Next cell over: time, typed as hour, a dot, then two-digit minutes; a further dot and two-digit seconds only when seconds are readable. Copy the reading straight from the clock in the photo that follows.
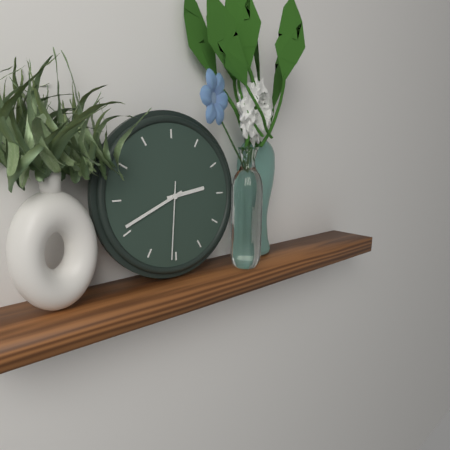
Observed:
2.41.31
